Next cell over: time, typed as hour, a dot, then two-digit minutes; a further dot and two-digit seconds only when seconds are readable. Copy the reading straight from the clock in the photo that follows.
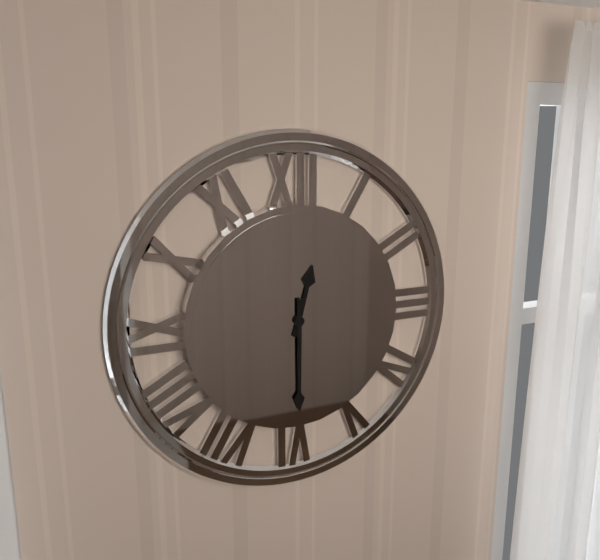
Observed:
12.30
